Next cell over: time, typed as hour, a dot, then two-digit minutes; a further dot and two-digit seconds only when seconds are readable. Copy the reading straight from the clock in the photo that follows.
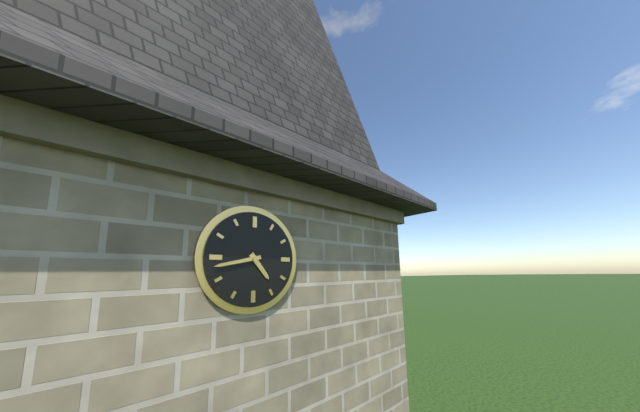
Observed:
4.43
